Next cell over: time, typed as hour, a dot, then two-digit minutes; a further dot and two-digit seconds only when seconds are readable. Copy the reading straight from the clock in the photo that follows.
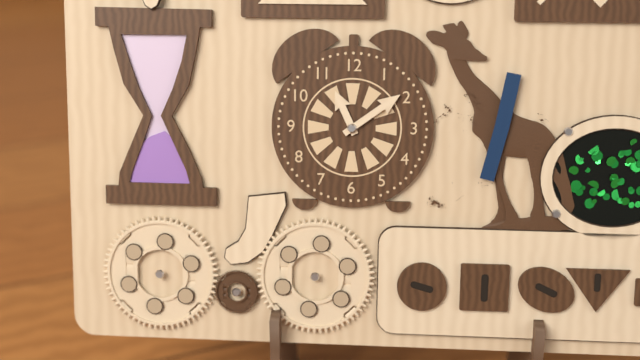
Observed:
11.09
